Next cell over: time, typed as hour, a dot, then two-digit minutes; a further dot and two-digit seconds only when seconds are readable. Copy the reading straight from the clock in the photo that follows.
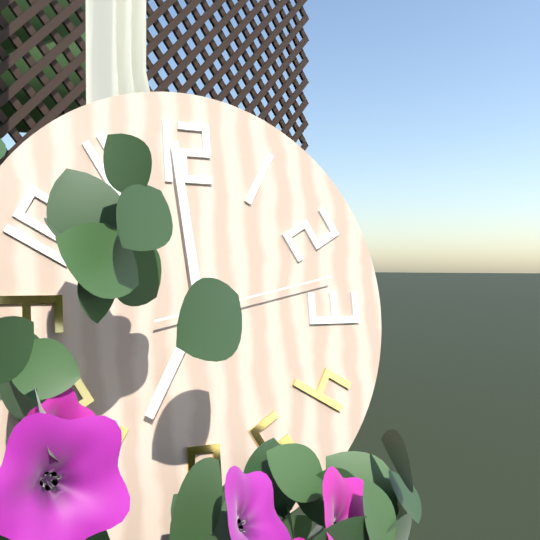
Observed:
6.59.13
